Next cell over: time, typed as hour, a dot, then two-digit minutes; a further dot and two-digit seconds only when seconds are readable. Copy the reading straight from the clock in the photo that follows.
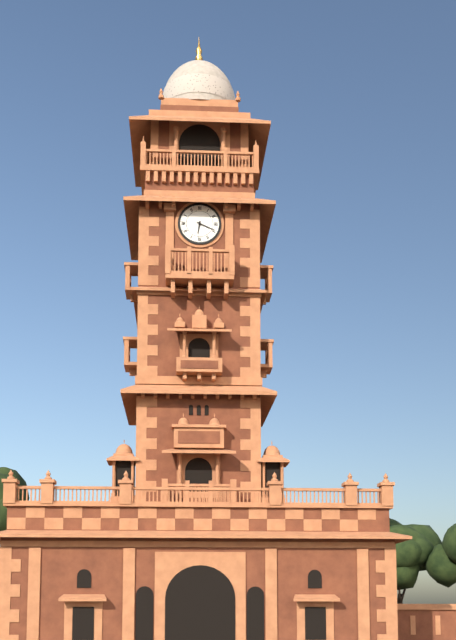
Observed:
6.19
